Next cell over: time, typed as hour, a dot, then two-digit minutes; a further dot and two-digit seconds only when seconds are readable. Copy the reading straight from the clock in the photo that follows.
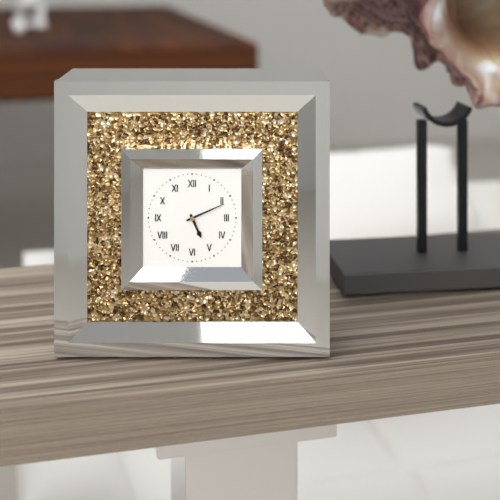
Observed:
5.11
